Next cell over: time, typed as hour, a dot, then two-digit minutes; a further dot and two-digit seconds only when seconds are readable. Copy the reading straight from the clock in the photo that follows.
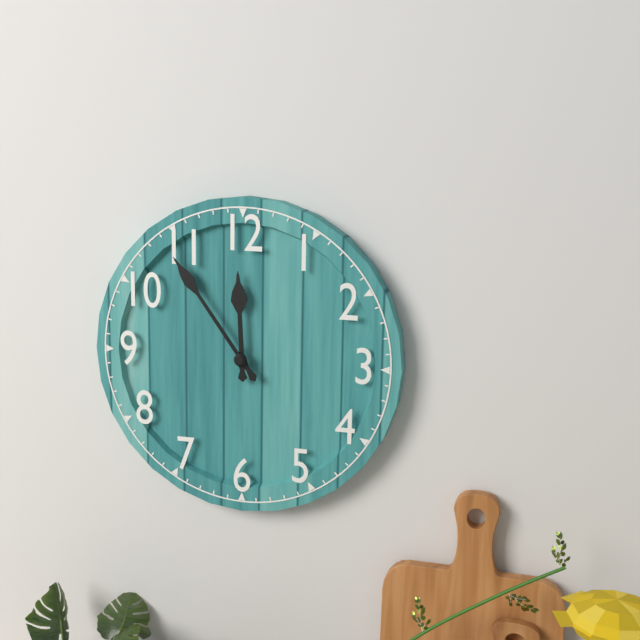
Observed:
11.54
